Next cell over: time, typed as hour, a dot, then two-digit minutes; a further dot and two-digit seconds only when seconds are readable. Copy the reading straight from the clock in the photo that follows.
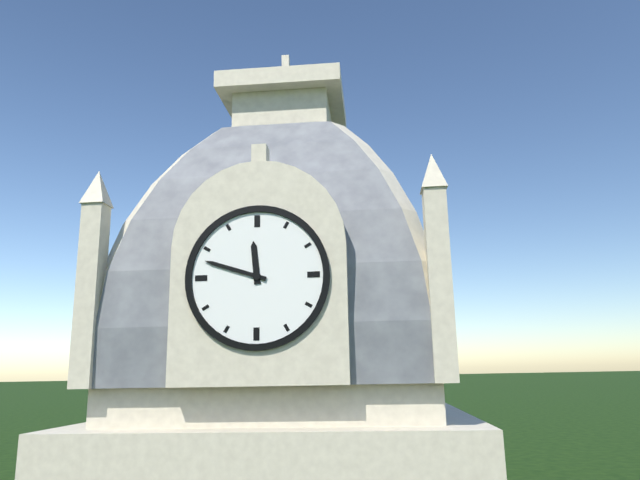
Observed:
11.48
